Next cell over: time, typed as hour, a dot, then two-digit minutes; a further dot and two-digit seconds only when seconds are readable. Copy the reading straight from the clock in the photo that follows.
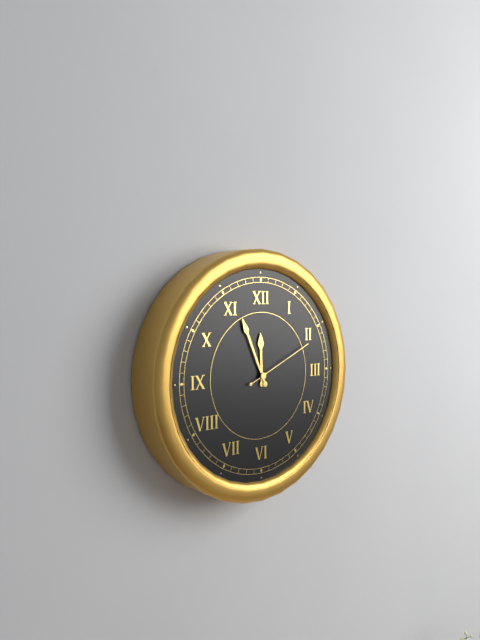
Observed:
11.56.11
